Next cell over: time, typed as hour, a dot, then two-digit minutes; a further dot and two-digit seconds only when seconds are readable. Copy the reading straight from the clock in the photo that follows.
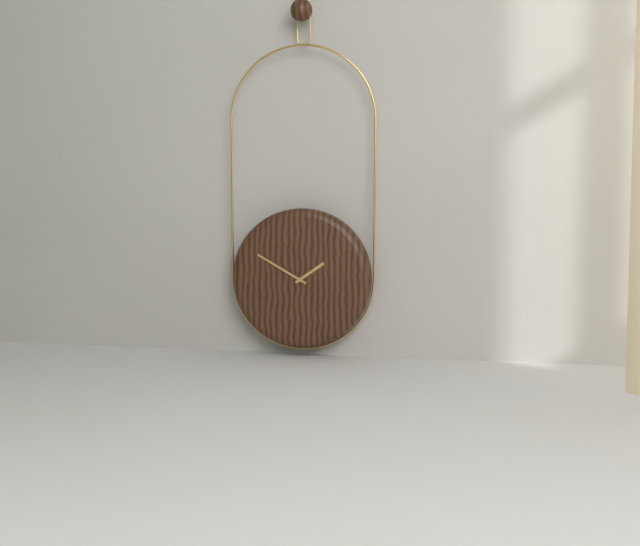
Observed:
1.50
